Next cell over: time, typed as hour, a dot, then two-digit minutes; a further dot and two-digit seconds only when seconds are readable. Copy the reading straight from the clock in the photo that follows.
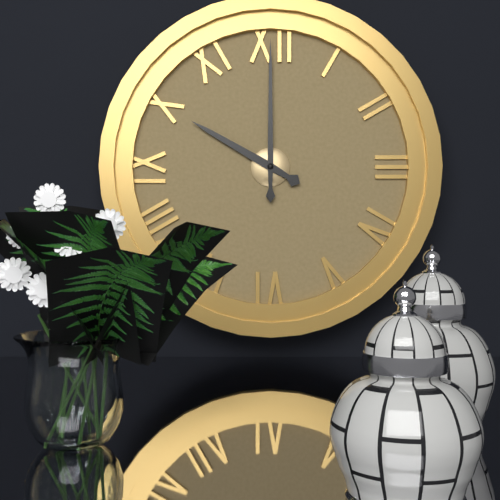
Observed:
10.00
